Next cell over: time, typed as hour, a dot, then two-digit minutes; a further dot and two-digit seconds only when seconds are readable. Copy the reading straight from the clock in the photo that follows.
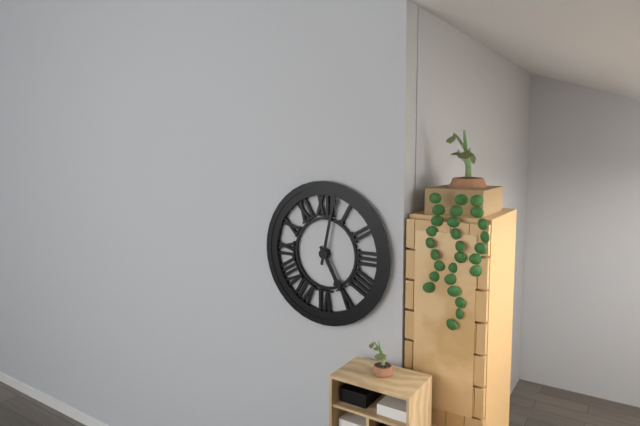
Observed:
5.02
